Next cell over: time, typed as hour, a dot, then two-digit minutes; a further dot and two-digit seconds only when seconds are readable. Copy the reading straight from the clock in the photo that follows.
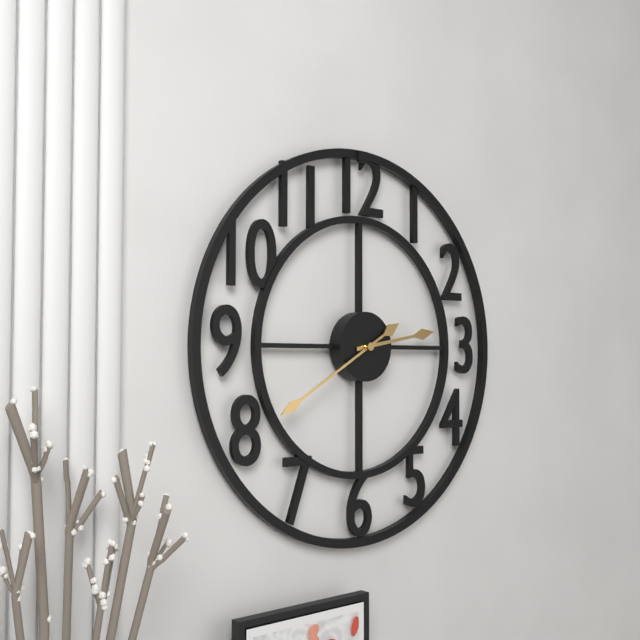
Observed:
2.40
